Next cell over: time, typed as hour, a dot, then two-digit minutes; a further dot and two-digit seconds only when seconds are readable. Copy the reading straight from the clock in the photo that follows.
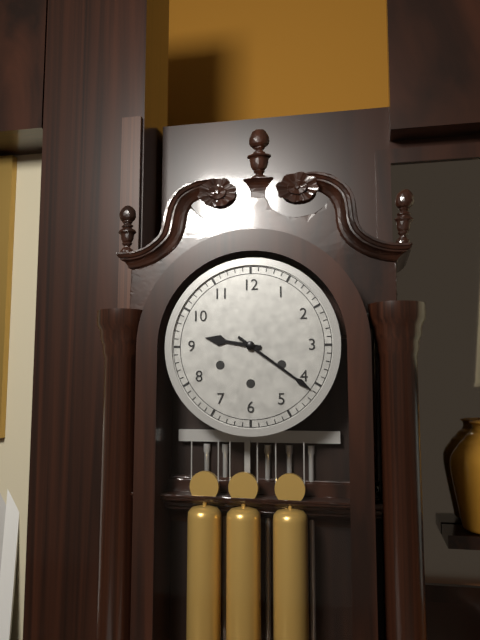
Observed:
9.21
